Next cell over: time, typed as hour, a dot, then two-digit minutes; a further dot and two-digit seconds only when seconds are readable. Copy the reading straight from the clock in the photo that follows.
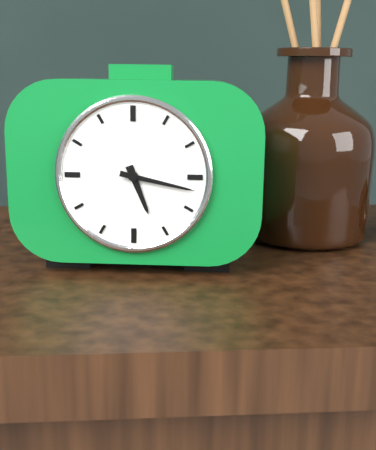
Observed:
5.17
